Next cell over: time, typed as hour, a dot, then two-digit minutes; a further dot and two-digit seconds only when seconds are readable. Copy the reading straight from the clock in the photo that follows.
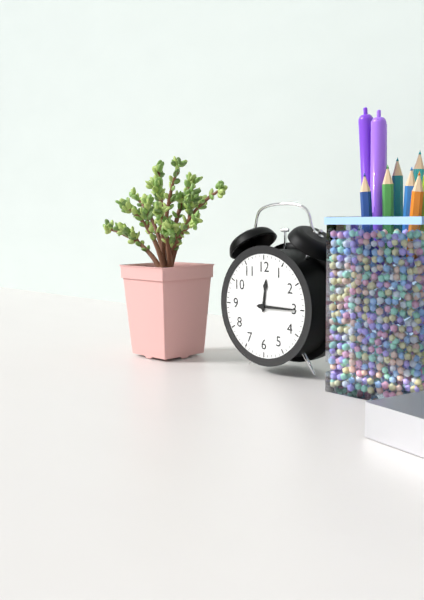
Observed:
12.15
